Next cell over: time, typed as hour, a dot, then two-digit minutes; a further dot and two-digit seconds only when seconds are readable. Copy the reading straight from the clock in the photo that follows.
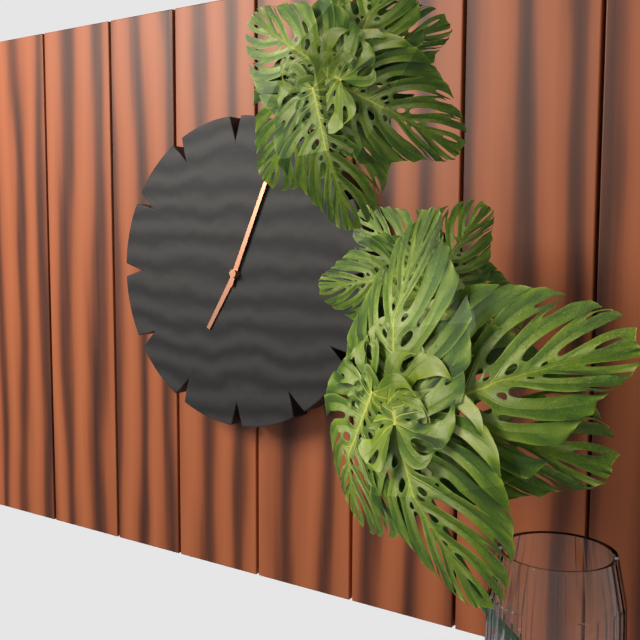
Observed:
7.04
